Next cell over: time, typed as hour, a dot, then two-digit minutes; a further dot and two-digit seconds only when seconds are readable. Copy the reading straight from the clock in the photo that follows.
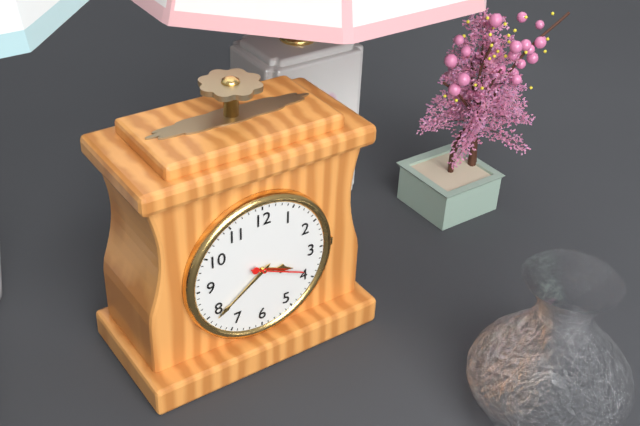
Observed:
3.39
